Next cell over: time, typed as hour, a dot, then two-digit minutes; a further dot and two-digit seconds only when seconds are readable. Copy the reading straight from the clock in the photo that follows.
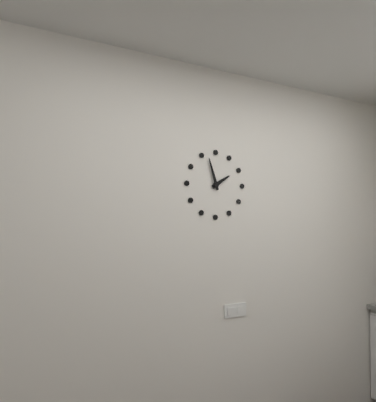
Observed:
1.57
